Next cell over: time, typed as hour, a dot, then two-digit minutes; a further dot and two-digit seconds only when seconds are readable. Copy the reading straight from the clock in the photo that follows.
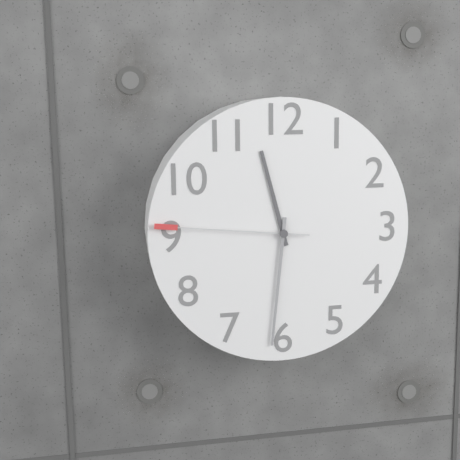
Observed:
11.31.46
